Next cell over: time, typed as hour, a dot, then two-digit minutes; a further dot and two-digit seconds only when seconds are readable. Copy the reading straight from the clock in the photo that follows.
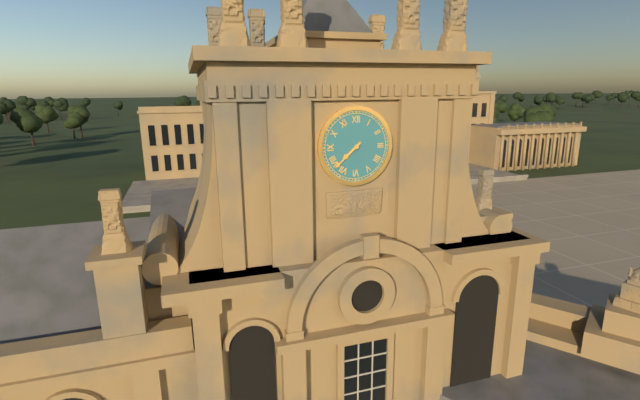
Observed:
7.38
